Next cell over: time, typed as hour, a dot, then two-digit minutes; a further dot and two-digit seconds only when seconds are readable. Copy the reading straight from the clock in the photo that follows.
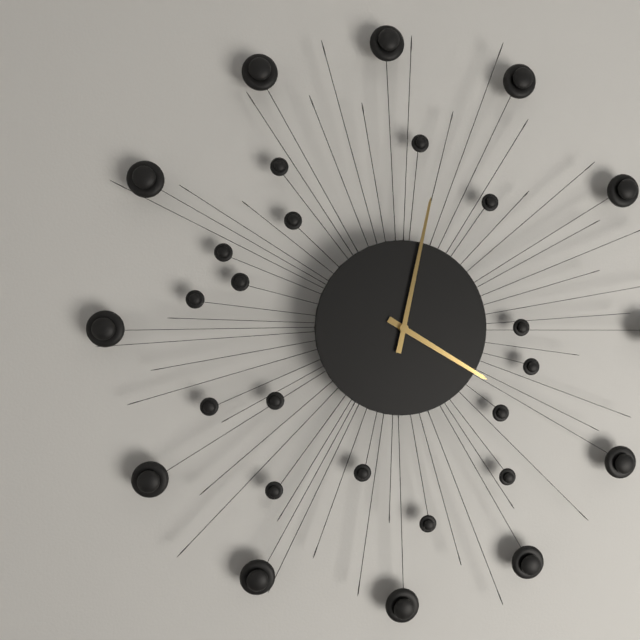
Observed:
4.02
